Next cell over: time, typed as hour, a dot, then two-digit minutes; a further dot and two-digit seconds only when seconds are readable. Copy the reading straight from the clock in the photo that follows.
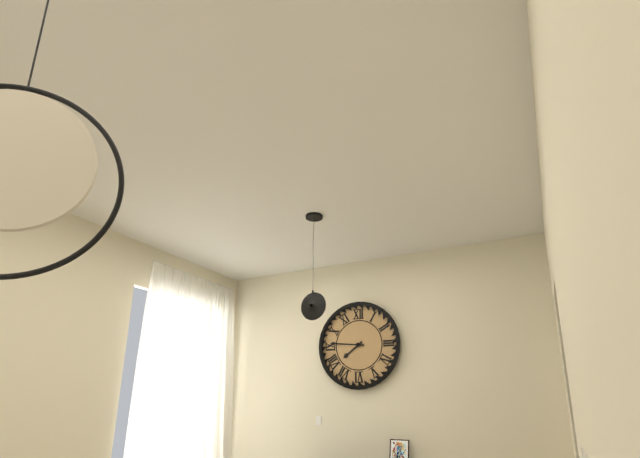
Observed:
7.46
